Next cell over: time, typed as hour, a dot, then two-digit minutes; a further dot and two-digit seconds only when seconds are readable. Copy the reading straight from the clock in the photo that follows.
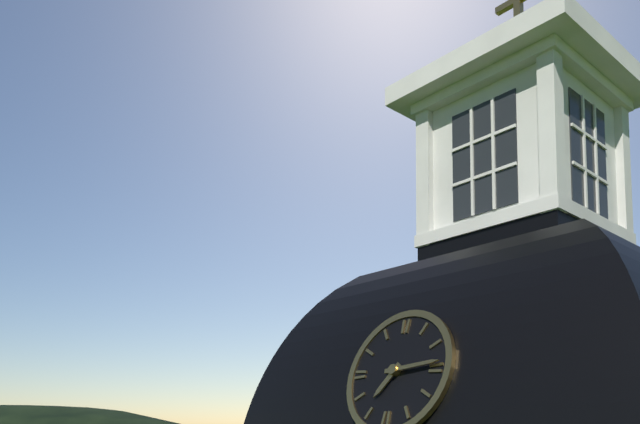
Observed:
7.14
